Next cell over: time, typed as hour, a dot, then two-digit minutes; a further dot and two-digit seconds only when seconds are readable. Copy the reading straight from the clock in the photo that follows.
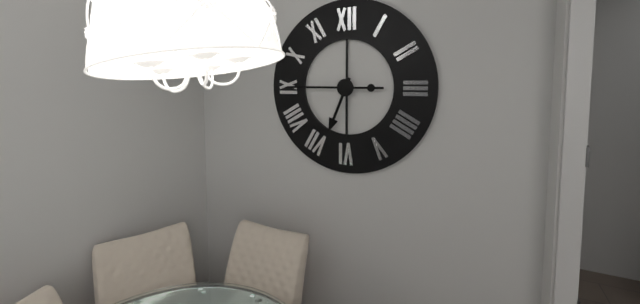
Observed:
6.45
